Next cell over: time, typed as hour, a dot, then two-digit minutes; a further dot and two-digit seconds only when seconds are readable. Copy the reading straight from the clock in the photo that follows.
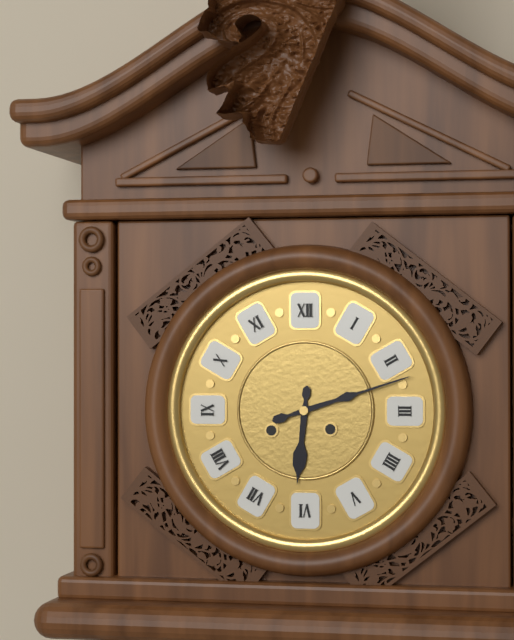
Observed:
6.12
